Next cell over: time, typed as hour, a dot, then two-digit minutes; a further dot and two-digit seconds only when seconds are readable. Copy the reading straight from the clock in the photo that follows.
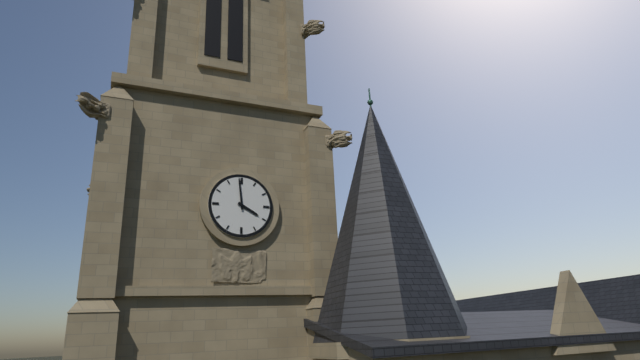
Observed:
3.59
